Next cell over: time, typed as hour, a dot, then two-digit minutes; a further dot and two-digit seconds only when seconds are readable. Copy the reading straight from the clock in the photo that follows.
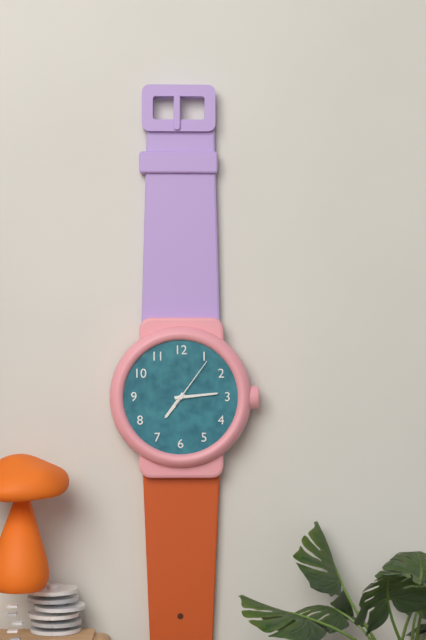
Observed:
7.14.06
